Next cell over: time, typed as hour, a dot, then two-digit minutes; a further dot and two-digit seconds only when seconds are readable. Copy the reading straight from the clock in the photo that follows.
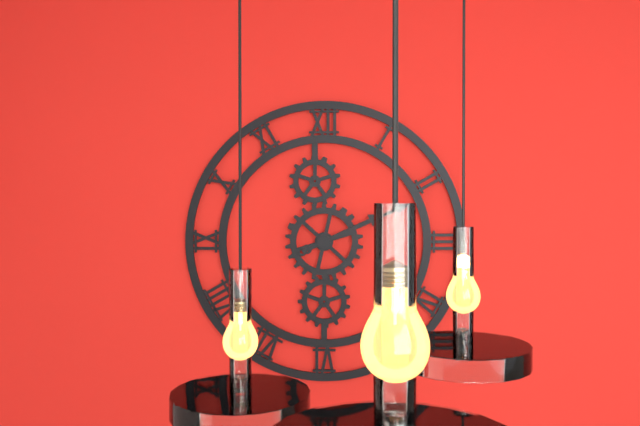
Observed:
2.11
